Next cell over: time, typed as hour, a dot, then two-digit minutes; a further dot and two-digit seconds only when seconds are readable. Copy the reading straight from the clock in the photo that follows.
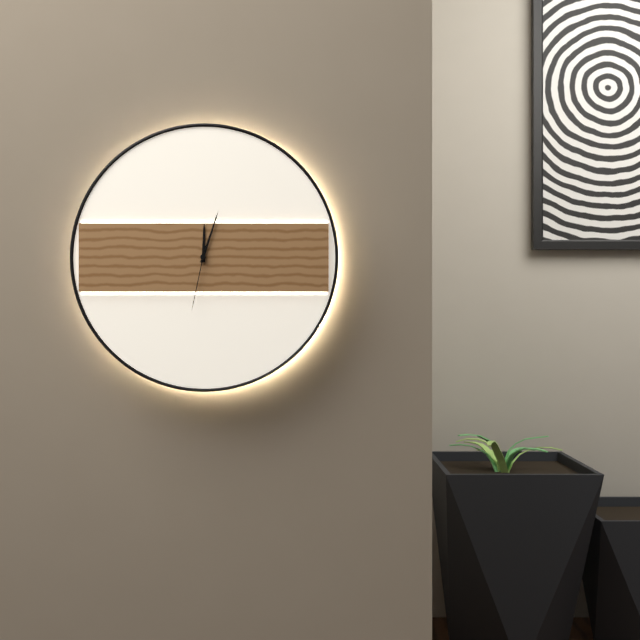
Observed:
12.03.32
